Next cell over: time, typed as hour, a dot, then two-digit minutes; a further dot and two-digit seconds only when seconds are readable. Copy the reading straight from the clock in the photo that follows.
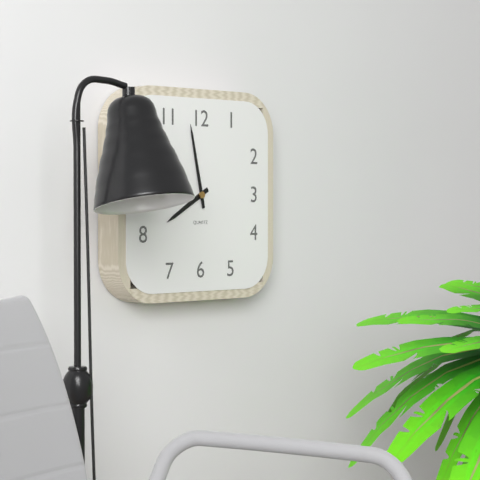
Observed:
7.58
